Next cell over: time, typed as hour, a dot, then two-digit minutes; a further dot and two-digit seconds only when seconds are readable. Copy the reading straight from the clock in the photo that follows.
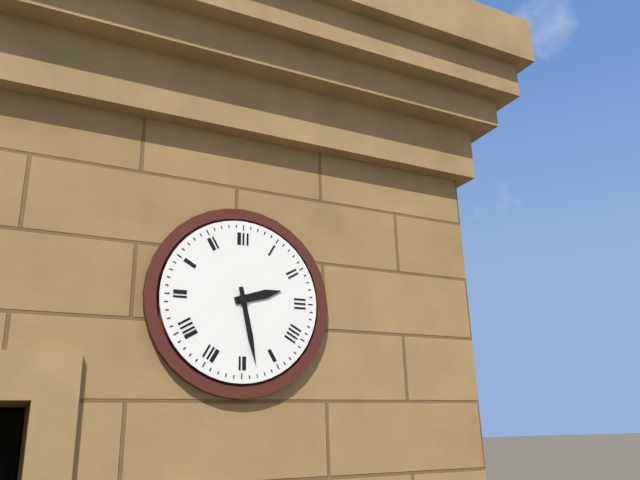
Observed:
2.28
